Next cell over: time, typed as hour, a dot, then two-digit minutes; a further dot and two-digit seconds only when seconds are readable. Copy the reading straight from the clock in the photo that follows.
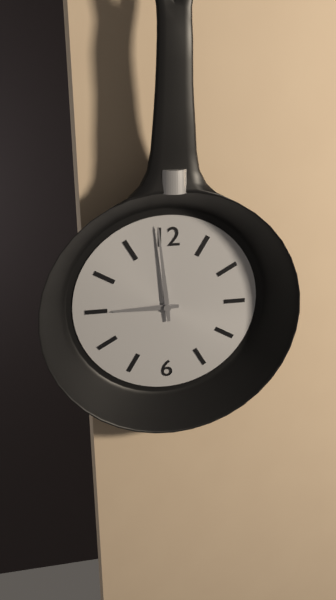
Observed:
8.59
